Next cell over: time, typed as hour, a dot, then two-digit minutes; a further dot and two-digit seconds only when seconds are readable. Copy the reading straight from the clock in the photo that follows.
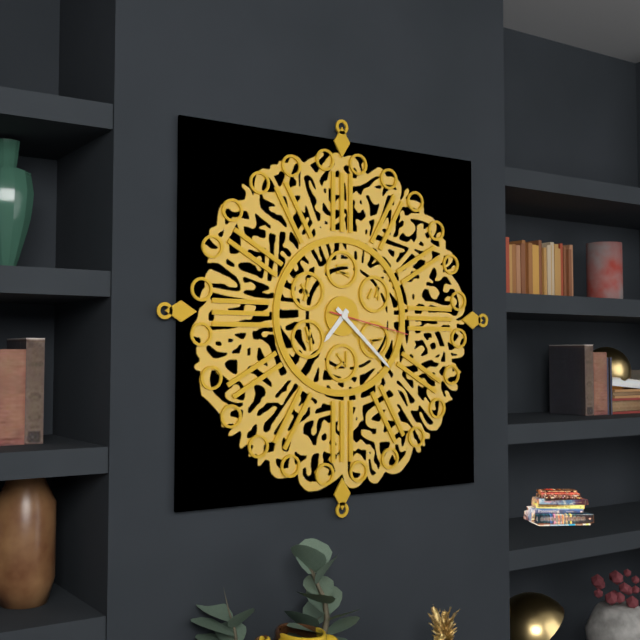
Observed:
7.22.17
